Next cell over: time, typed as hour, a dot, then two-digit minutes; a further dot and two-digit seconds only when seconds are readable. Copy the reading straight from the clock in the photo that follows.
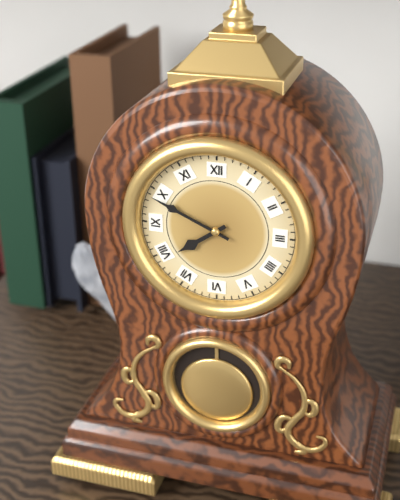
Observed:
7.49
